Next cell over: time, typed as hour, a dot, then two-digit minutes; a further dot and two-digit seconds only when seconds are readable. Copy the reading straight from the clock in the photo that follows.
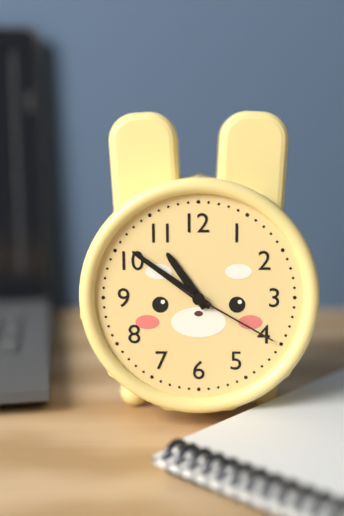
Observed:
10.51.20
